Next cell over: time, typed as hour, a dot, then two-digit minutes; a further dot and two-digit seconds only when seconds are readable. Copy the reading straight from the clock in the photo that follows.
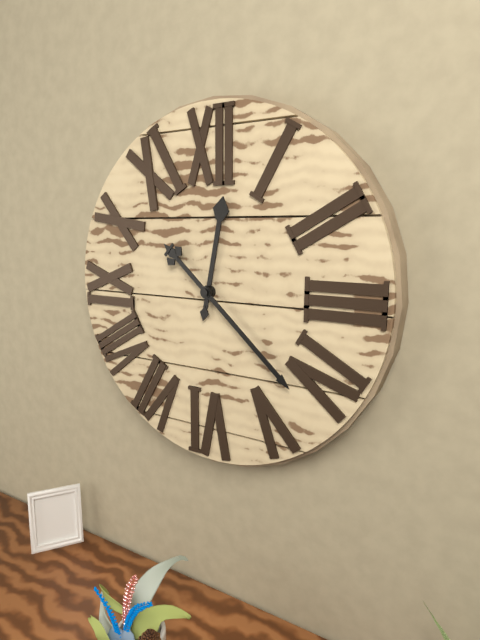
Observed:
12.22
